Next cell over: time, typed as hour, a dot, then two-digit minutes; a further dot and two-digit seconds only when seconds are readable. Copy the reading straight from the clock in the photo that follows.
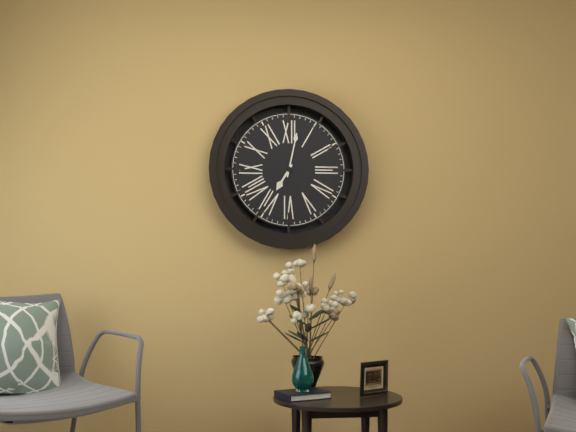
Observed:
7.02
